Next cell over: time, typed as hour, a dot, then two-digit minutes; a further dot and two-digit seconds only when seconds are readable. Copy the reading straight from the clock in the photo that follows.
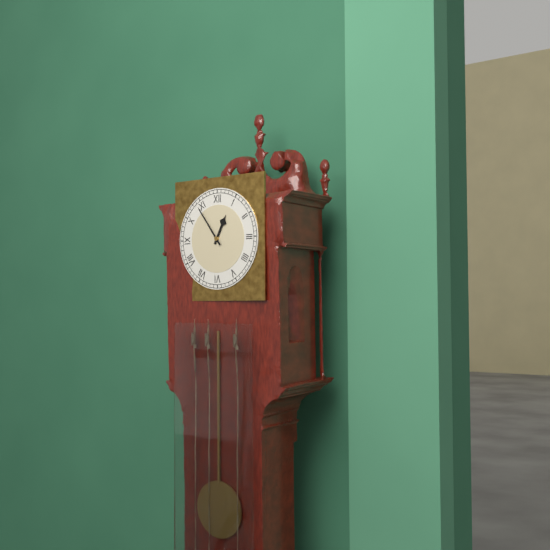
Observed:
12.54
